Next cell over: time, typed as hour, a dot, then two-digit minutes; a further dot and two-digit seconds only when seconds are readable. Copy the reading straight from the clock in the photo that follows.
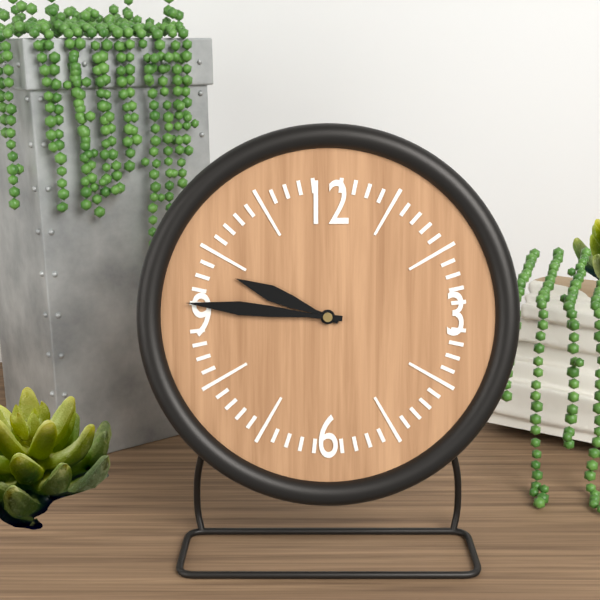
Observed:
9.46
